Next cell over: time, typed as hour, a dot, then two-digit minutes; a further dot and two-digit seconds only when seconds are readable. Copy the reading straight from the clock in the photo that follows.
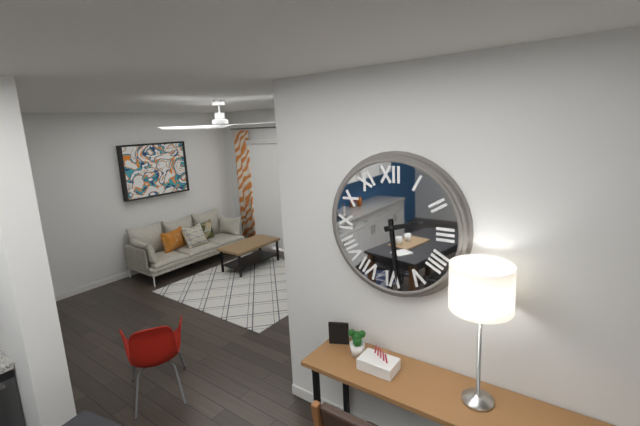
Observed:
2.29
